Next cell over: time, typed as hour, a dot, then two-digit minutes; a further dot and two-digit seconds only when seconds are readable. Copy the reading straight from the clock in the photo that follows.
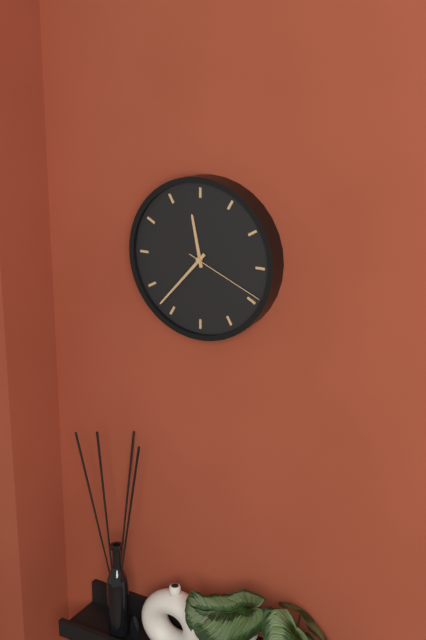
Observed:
11.37.19
